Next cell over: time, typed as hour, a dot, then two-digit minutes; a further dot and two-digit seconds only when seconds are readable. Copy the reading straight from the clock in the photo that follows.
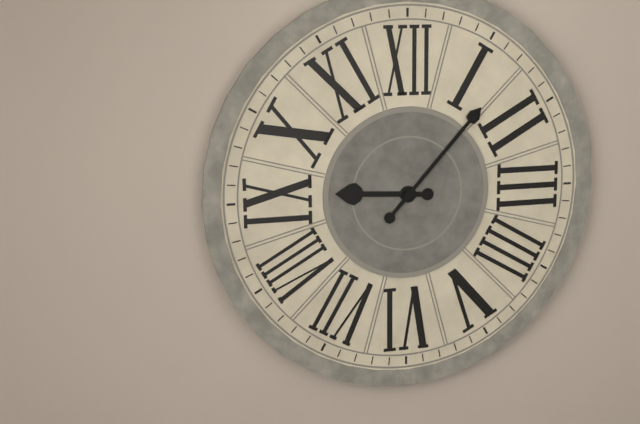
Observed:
9.07
